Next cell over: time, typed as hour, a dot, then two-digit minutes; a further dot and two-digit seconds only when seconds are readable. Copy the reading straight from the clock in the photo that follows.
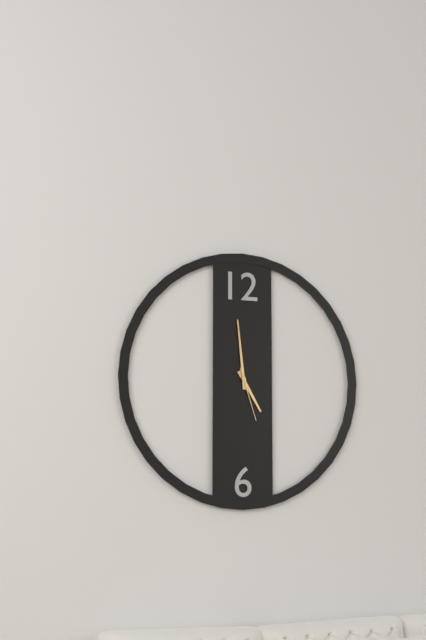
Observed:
4.59.27
